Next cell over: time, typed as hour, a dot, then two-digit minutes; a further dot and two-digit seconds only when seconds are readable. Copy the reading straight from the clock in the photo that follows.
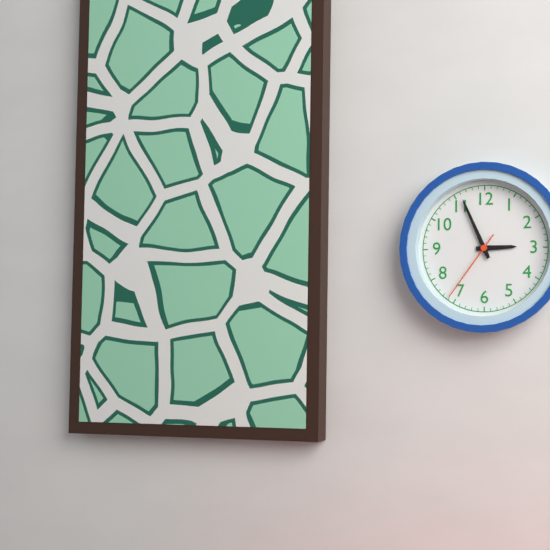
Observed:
2.56.36
